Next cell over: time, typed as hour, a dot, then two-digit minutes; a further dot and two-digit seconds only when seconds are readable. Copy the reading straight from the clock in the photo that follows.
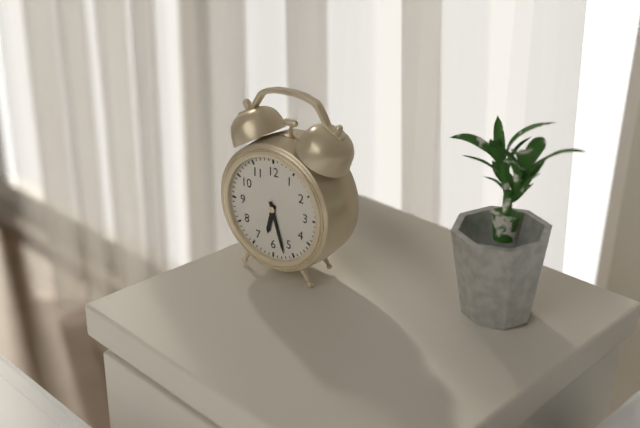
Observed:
6.27
